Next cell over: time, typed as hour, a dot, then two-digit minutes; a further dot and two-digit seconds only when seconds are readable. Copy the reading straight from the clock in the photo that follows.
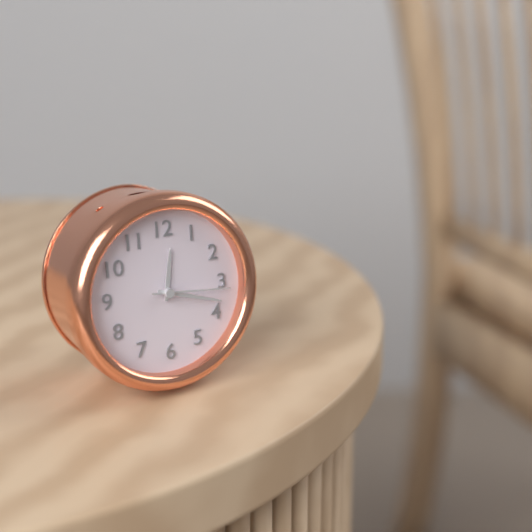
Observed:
12.18.16
